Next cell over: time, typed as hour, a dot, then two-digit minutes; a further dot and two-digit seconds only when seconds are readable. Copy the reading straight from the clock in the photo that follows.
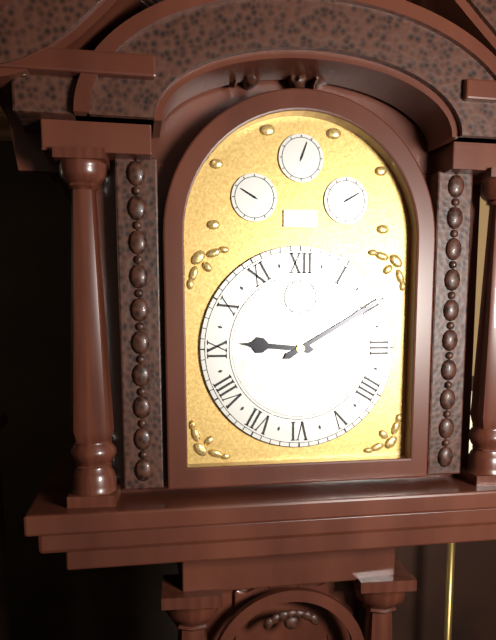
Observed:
9.10
